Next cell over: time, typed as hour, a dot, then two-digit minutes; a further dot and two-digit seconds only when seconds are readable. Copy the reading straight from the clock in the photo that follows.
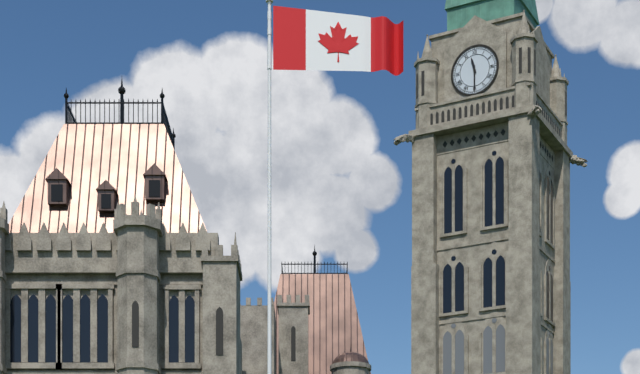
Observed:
11.30
